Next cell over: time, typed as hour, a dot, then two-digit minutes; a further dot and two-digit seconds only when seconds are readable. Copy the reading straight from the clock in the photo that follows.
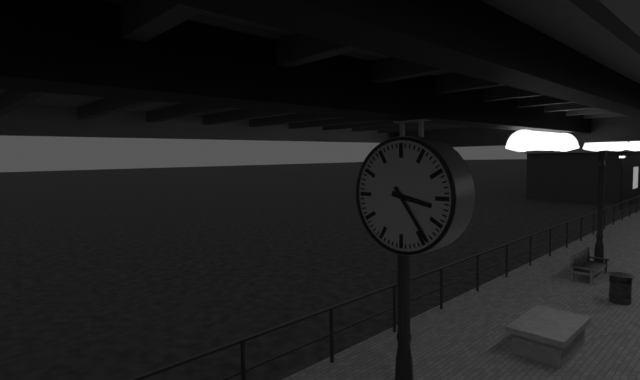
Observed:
3.24
